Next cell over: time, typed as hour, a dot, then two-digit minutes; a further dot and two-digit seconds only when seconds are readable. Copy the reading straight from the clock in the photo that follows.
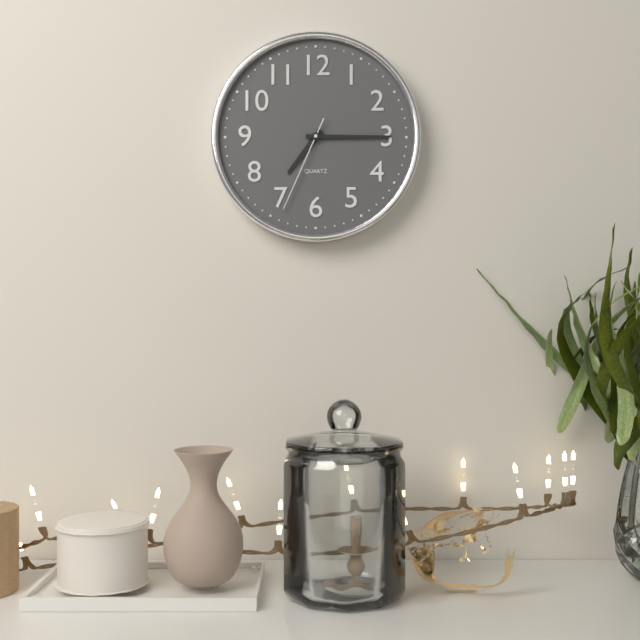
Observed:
7.15.34
